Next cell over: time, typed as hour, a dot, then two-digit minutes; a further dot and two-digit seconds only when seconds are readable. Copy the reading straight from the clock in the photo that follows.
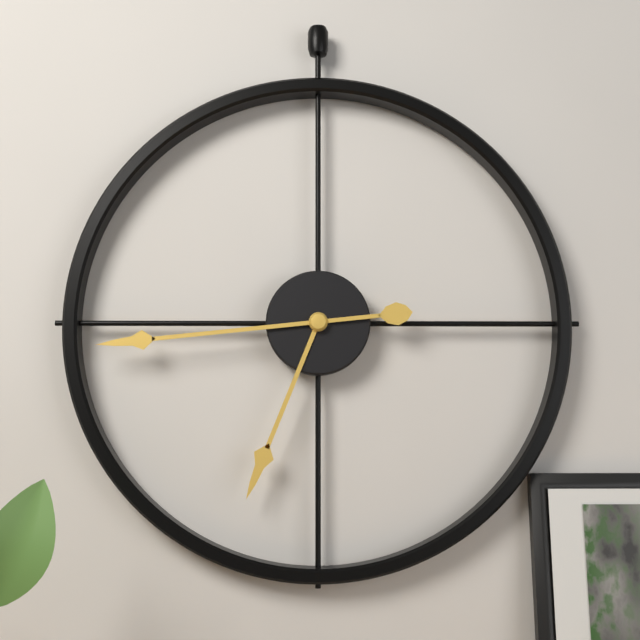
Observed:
6.44
